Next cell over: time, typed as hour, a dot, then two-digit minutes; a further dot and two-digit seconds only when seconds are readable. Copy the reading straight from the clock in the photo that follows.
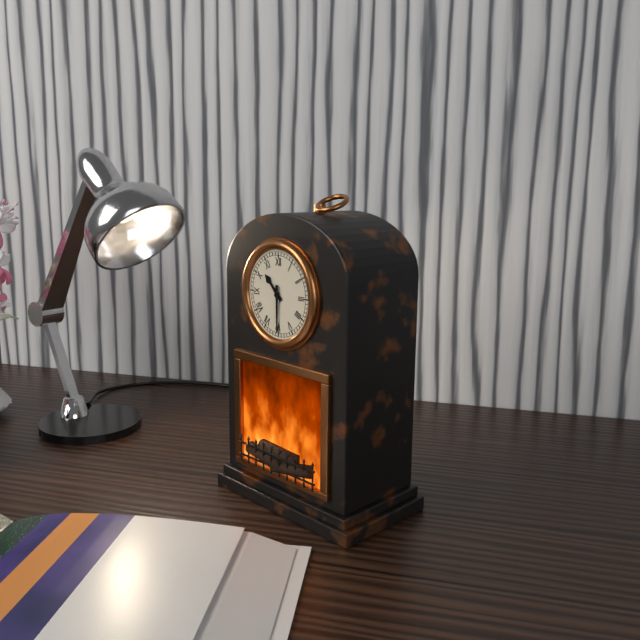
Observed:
10.30
